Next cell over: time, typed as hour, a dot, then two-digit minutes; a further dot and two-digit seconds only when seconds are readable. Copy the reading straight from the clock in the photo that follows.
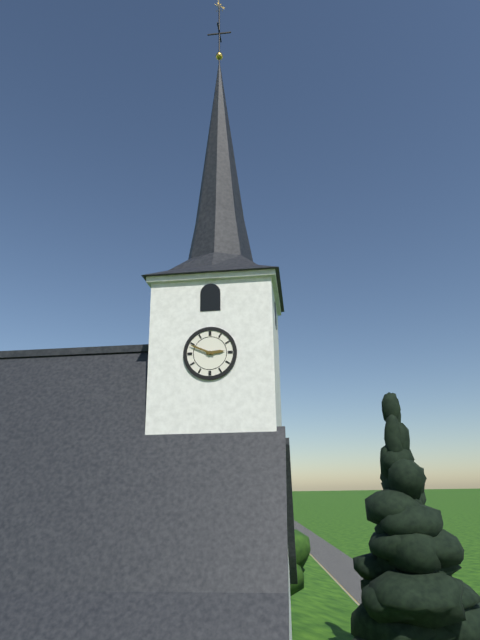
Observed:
2.49
